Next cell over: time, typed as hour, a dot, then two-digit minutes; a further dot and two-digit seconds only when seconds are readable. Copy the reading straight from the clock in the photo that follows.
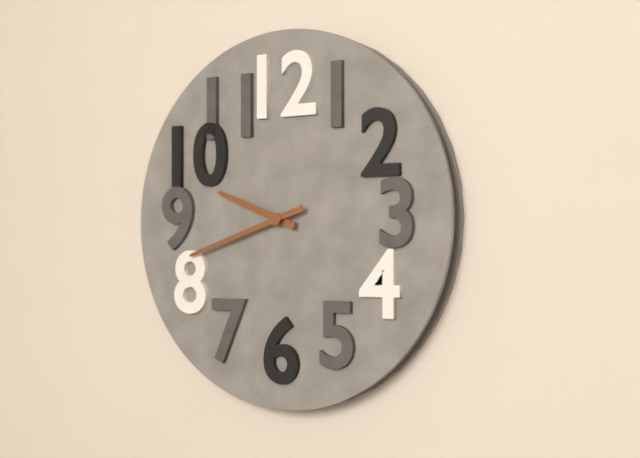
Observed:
9.42
